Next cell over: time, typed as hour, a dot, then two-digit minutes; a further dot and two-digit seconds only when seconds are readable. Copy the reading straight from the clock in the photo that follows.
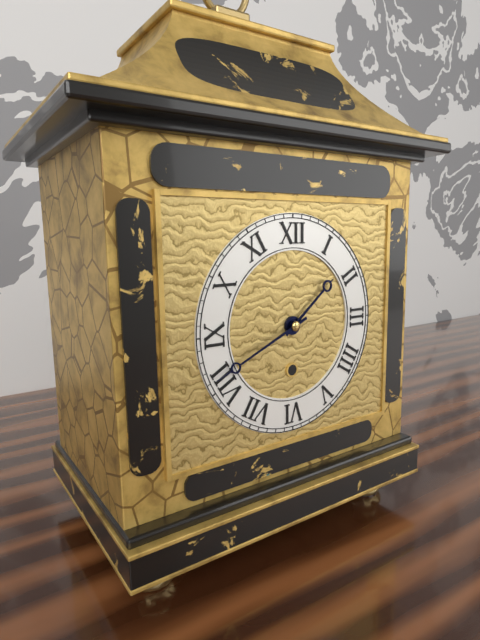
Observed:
1.41
